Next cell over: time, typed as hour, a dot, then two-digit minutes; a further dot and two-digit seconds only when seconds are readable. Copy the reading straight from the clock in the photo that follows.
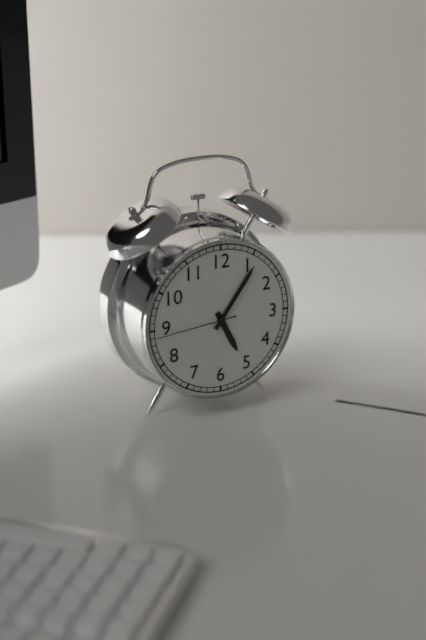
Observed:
5.06.44
